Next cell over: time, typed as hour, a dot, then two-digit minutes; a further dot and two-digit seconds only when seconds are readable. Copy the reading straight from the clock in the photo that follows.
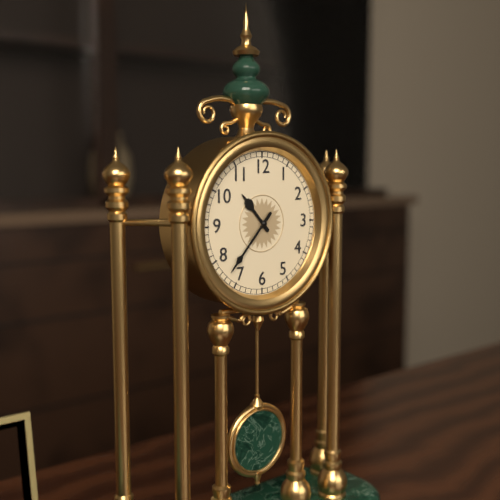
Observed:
10.37
